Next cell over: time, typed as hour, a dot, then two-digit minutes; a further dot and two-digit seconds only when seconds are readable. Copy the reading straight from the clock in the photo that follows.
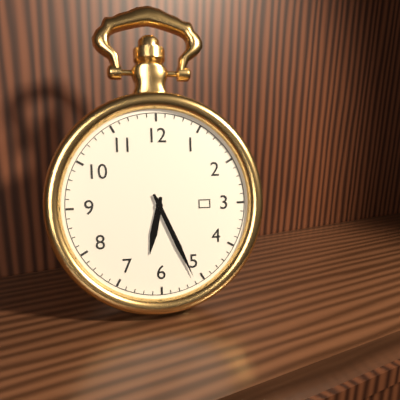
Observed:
6.26
